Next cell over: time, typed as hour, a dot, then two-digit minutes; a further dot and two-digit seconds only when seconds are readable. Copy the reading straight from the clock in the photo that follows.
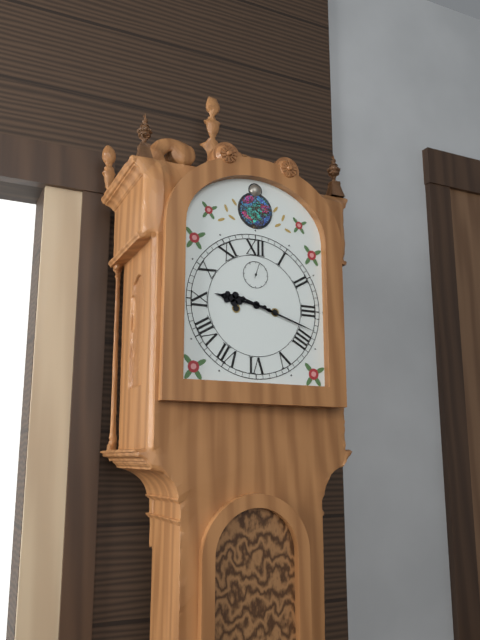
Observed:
9.18
